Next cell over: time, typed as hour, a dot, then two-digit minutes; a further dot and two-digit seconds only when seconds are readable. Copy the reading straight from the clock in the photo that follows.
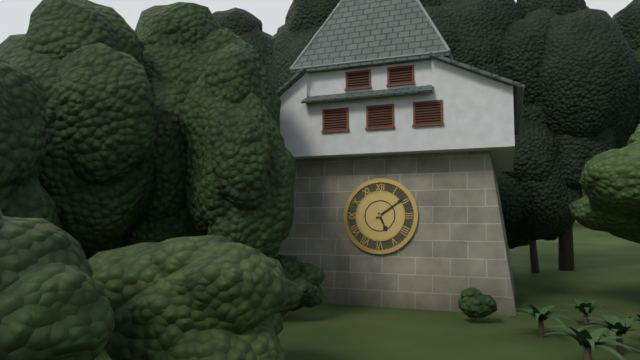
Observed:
5.09
